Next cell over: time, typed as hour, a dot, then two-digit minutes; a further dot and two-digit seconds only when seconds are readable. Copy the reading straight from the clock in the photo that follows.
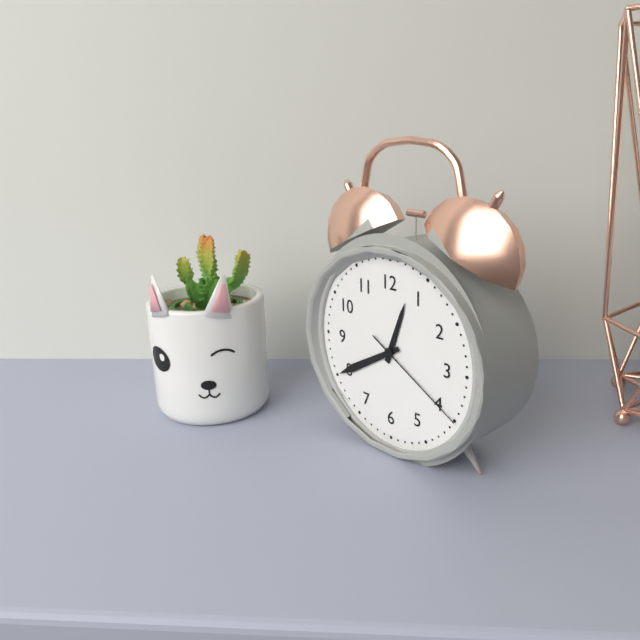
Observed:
12.40.20
